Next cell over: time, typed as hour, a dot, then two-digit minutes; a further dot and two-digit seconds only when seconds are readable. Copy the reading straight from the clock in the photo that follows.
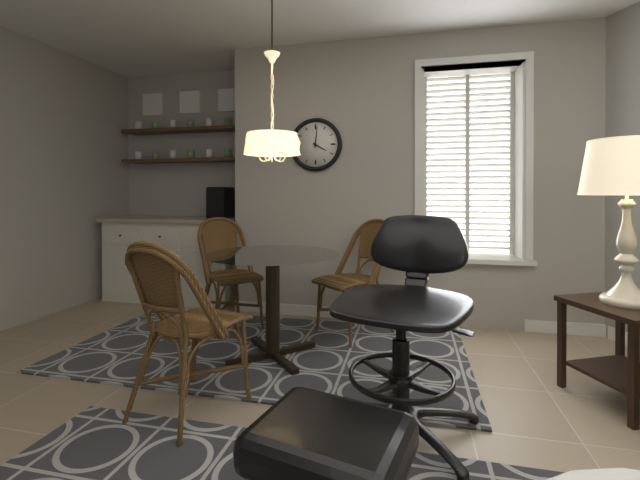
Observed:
4.01
